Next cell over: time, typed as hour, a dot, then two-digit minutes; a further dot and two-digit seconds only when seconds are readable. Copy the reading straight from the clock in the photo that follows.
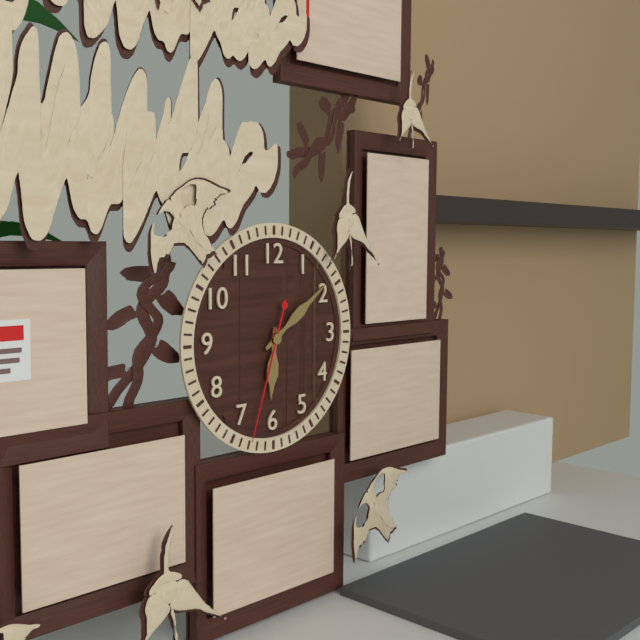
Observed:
6.09.33
